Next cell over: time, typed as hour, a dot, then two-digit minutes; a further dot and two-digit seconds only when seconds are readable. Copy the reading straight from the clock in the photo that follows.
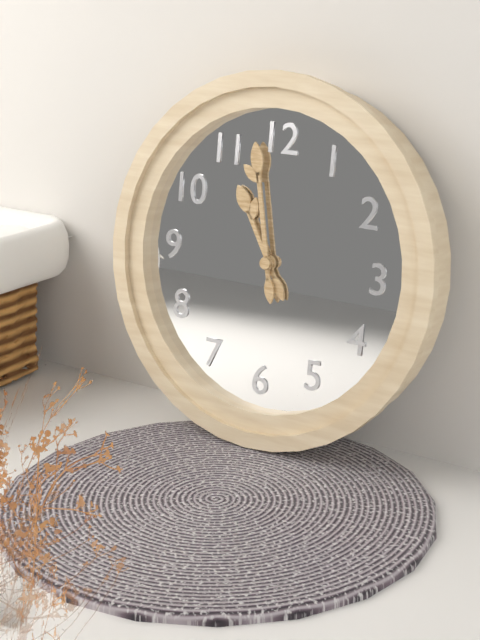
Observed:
10.58
